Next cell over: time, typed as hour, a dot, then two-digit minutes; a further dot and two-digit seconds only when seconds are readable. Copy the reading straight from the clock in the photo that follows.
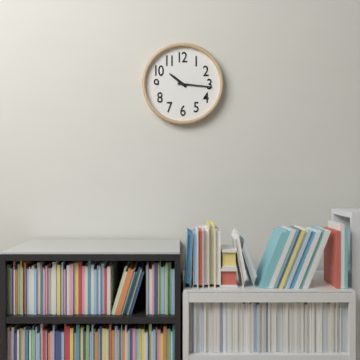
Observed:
10.16
